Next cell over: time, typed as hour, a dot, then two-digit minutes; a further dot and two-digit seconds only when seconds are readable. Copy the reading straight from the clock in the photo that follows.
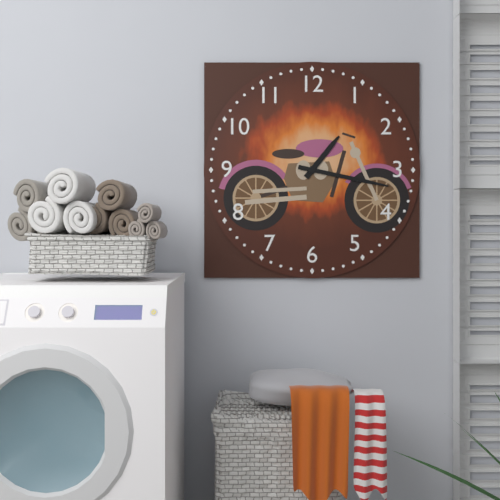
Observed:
1.17
